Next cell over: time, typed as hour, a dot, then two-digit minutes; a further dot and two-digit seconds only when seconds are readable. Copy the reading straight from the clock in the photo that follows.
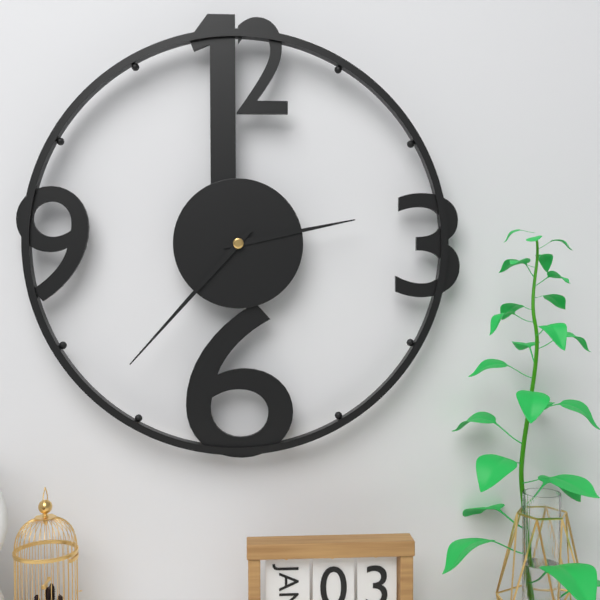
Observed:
2.37
